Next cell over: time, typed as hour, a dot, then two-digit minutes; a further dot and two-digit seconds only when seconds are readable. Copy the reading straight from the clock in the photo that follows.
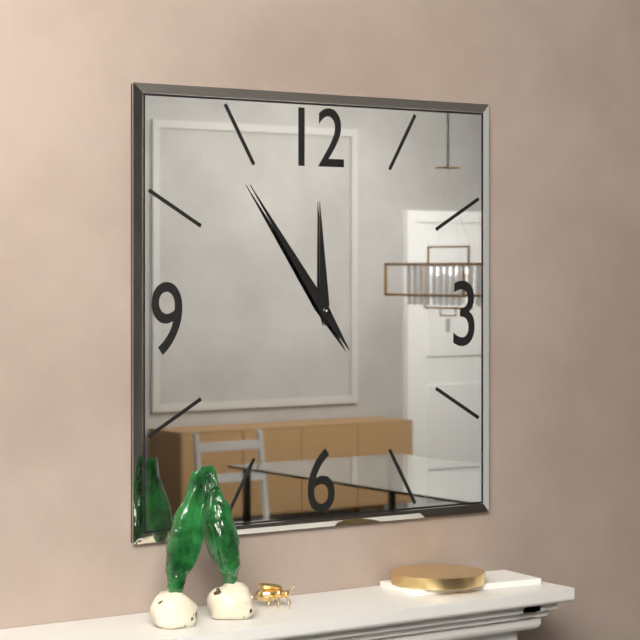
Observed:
11.54
